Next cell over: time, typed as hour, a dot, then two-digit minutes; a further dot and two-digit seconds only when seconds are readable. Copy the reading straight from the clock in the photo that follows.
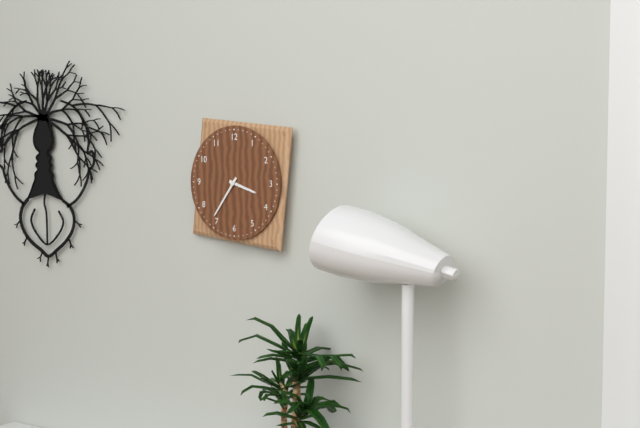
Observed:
3.36
